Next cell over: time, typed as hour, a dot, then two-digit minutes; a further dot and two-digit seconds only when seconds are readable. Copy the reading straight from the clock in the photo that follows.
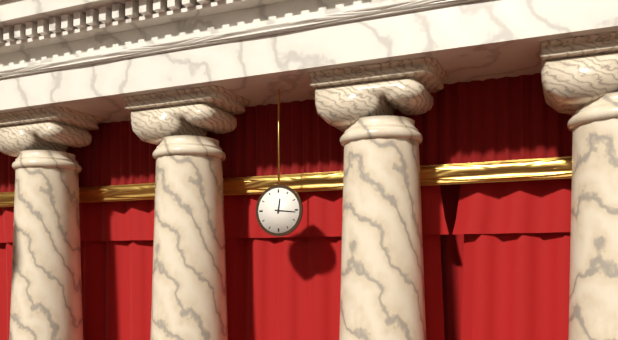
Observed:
12.16
